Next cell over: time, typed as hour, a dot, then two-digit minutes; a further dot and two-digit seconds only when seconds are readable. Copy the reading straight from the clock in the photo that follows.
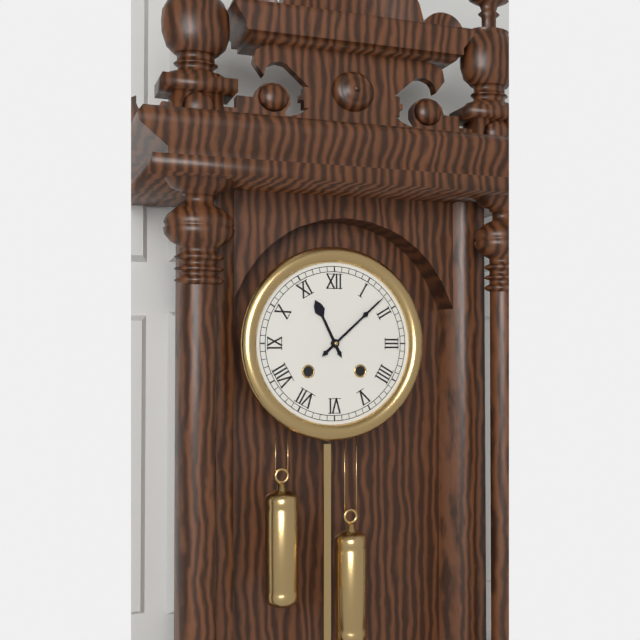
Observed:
11.08
